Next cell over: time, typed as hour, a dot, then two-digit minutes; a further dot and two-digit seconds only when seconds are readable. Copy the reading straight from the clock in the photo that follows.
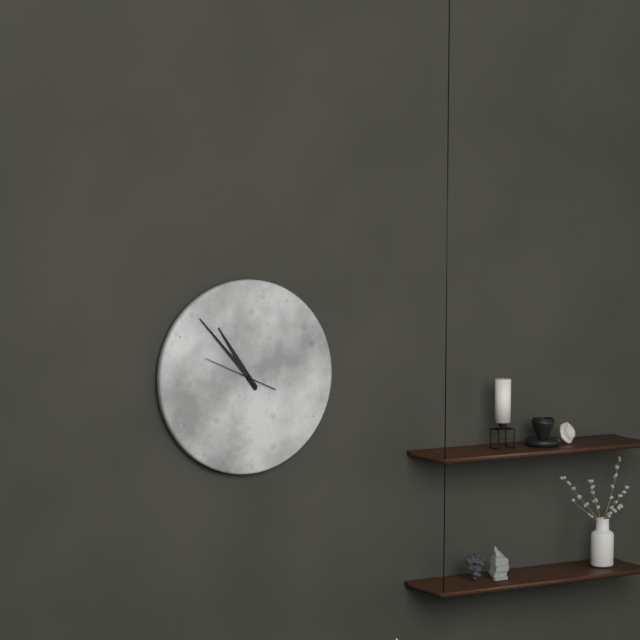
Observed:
10.53.49
